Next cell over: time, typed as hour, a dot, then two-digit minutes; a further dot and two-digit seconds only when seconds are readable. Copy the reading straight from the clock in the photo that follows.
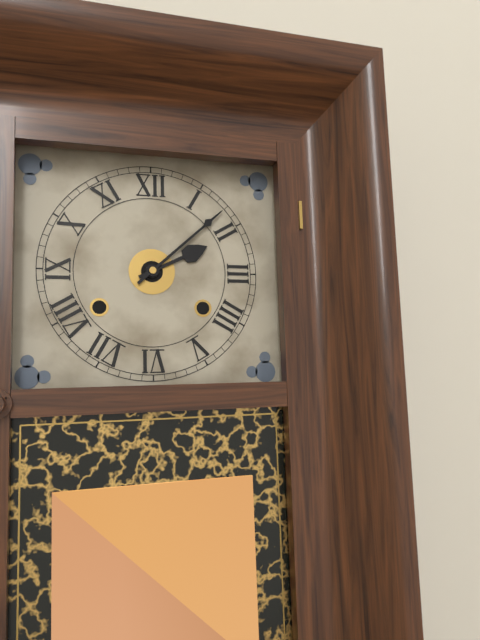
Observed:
2.08
